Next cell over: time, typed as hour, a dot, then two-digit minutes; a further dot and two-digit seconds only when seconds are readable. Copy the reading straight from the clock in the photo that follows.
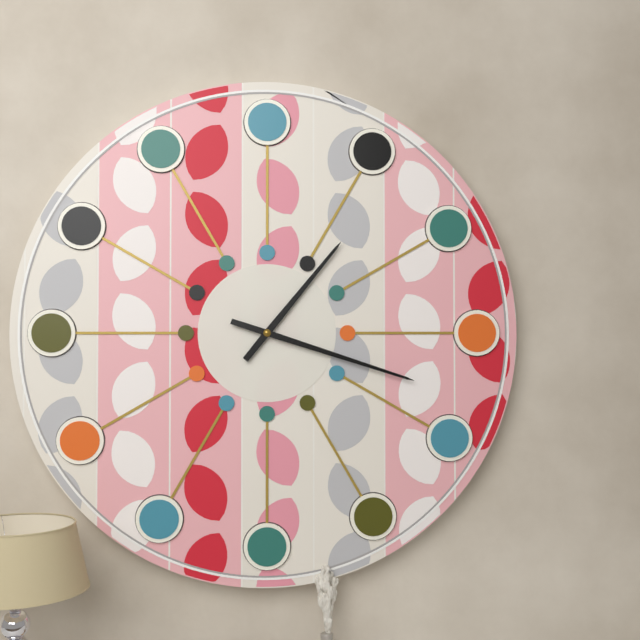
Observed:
1.18
